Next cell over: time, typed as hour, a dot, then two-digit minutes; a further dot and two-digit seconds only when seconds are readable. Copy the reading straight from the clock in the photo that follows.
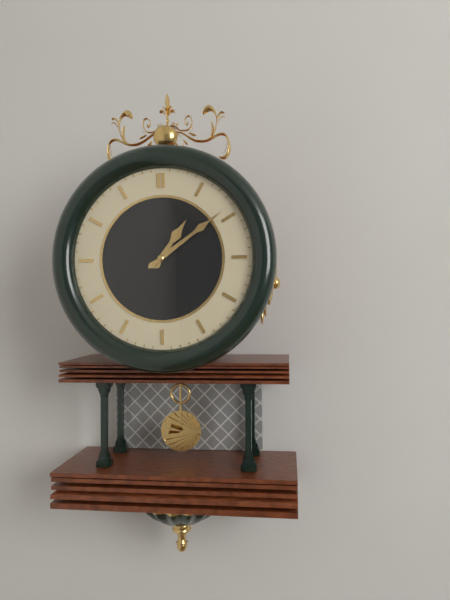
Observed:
1.09
